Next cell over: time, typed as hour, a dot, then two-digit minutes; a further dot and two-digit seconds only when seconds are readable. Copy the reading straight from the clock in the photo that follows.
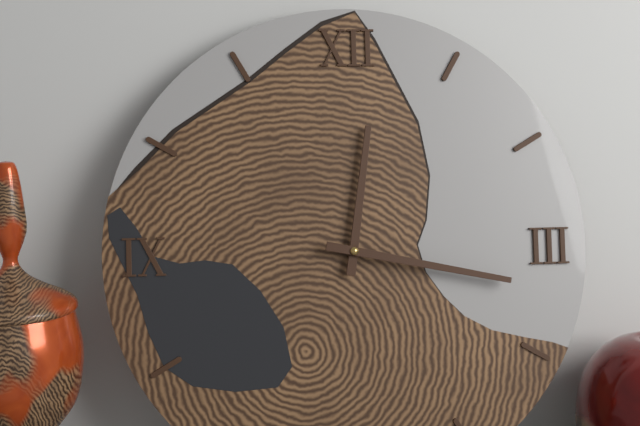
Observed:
12.17
